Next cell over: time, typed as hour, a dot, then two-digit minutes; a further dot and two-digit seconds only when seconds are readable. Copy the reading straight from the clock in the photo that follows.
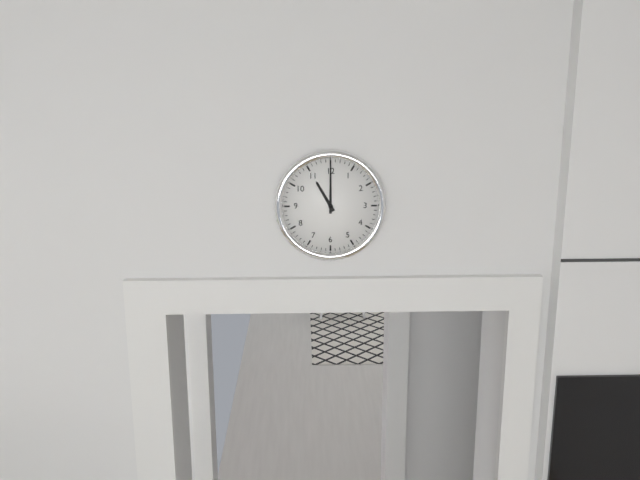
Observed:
11.00
